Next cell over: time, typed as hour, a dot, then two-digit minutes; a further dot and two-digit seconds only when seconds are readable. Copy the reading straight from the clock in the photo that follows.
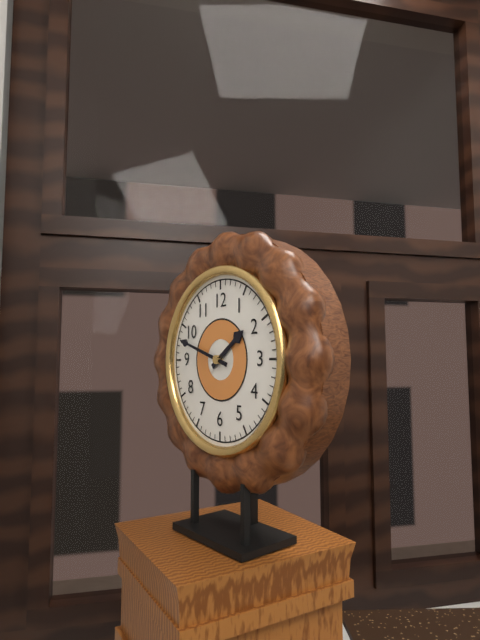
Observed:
1.48
